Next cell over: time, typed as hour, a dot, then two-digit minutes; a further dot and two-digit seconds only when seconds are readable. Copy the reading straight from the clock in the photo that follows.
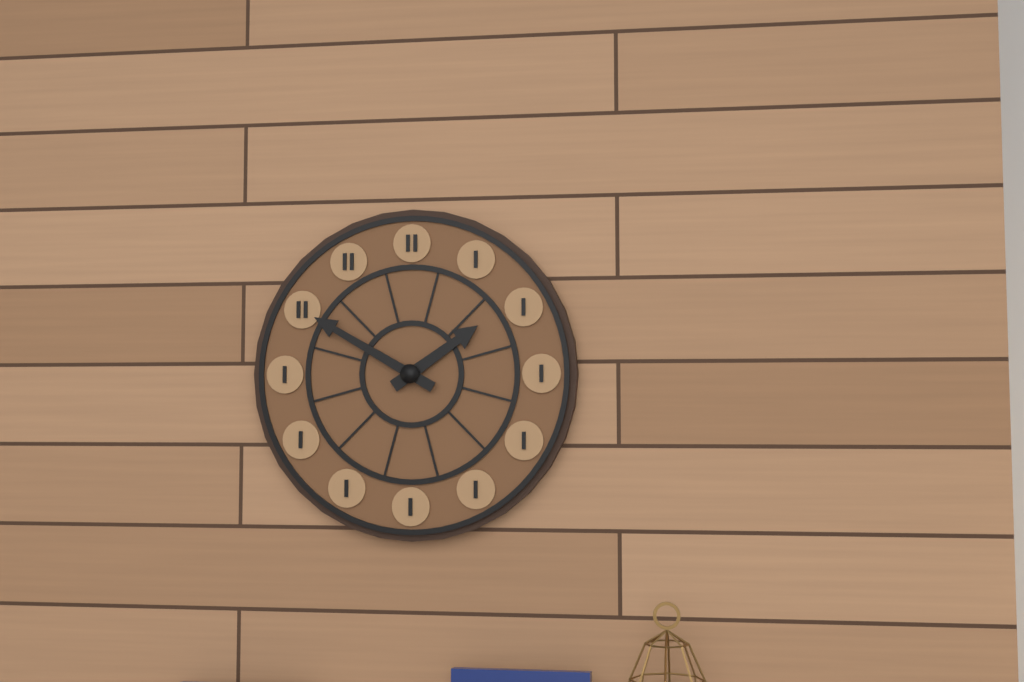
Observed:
1.50
